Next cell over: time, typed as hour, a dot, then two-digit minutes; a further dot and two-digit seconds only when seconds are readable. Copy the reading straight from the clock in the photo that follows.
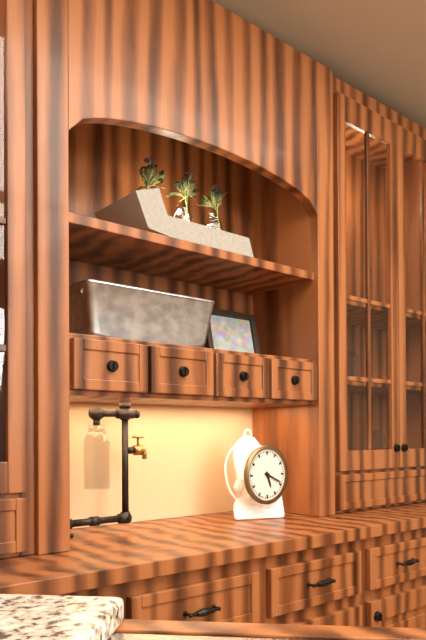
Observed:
5.19
